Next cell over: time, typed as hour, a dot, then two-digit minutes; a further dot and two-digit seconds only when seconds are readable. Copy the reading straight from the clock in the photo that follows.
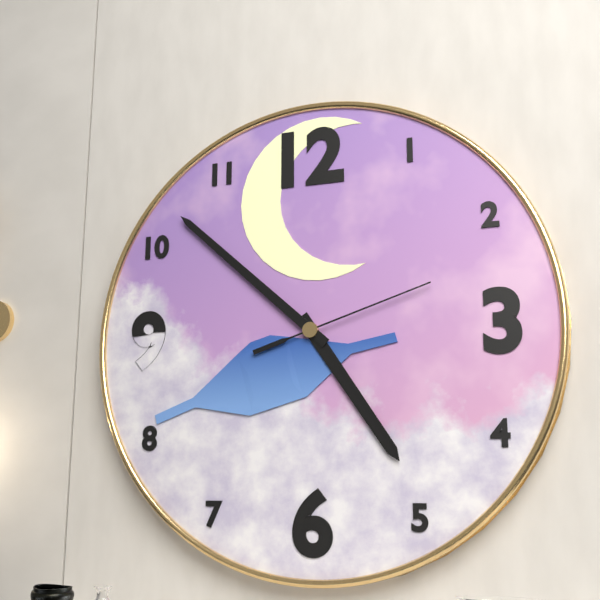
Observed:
4.52.12
